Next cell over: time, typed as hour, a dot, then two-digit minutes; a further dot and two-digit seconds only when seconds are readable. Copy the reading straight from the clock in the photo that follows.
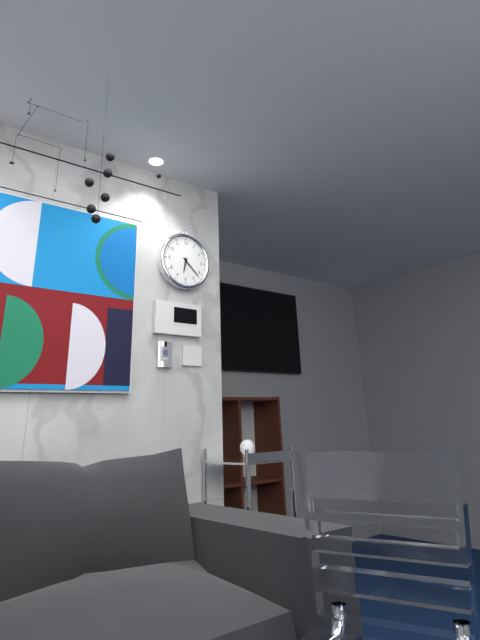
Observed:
6.22
